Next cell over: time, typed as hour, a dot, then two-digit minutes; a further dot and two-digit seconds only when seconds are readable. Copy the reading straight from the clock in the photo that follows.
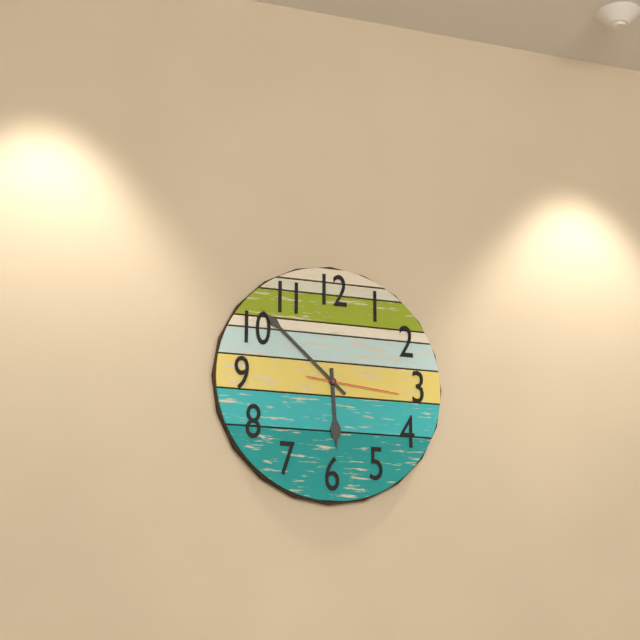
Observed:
5.52.16
